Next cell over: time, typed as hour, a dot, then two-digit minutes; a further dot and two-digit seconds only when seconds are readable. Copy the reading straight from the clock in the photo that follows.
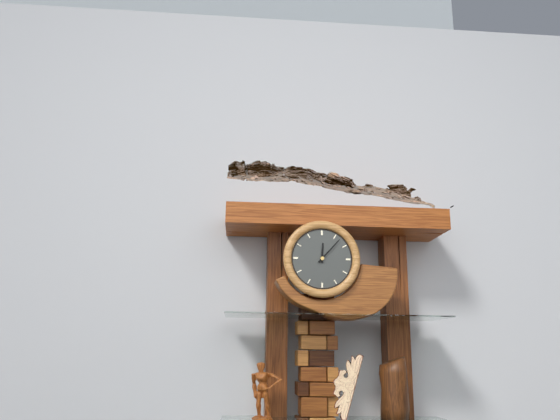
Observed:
12.07
